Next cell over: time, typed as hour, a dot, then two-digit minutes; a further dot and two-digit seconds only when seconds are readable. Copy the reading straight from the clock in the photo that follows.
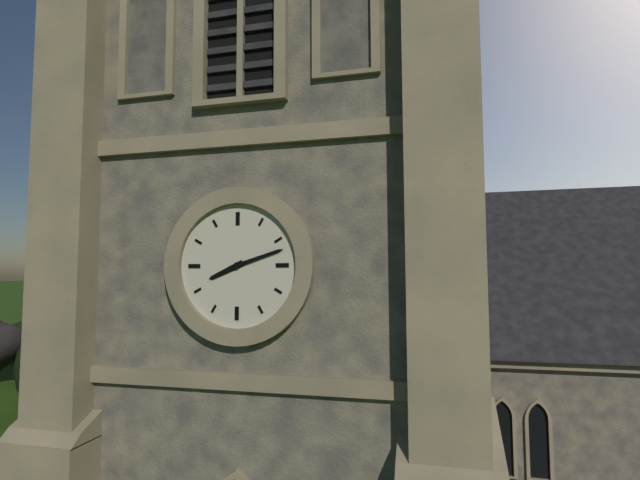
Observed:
8.12
